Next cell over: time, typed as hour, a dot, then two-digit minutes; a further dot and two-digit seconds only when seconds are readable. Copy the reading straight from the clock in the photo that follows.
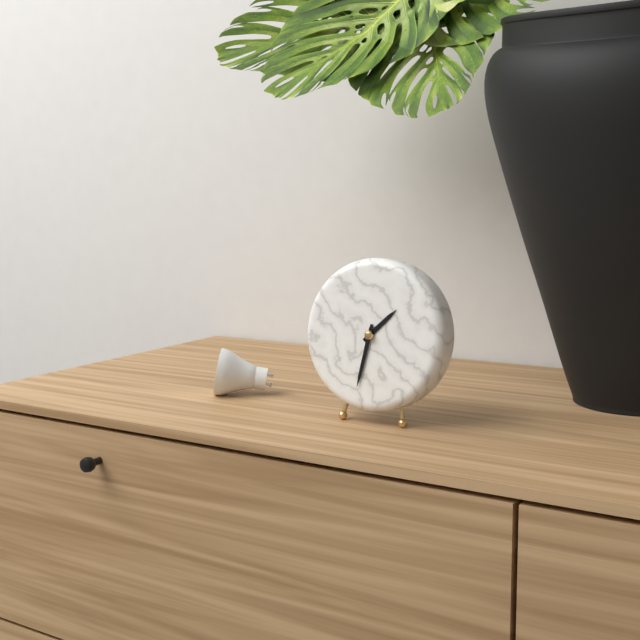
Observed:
1.32
